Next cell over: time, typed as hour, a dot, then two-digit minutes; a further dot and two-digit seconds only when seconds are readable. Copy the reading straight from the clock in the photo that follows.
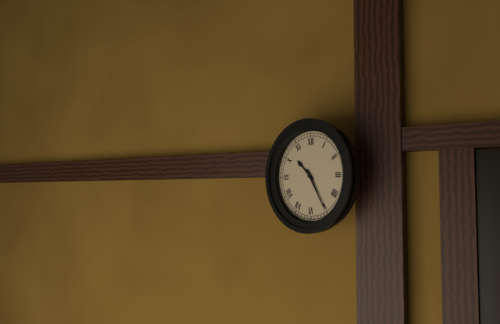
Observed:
10.25
